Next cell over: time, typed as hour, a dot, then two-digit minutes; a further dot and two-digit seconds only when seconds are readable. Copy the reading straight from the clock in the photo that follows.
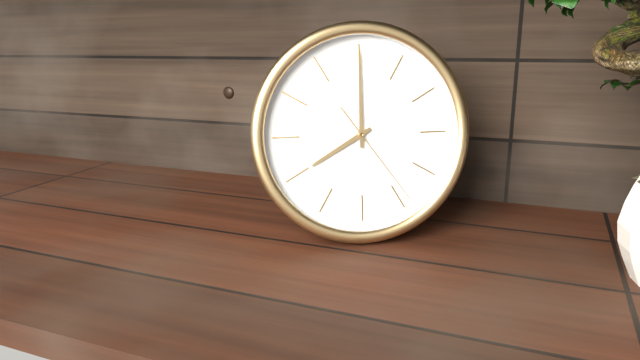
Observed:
8.00.24
